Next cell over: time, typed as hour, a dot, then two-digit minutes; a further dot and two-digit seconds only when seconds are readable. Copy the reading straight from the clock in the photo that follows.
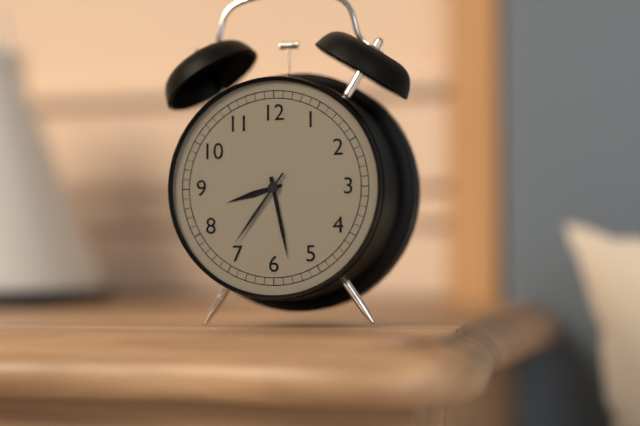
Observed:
8.28.36
